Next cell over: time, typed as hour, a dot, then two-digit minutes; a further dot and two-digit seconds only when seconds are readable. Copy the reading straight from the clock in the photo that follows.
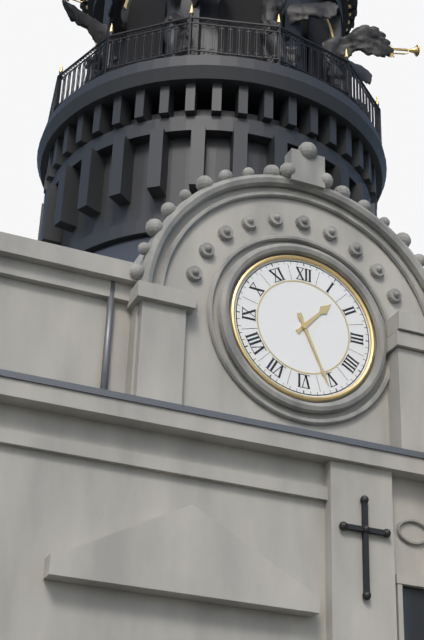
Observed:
1.26
